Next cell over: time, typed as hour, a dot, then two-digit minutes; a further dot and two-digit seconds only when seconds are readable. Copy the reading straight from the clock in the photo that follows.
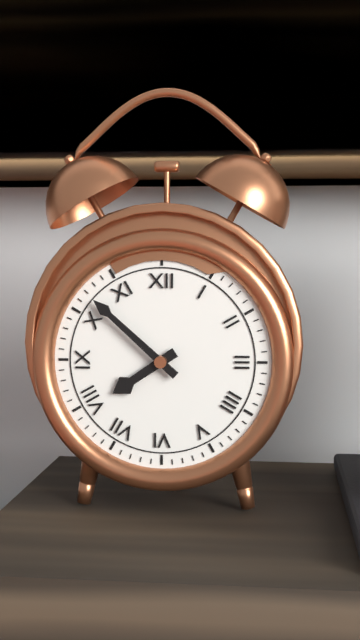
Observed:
7.52
